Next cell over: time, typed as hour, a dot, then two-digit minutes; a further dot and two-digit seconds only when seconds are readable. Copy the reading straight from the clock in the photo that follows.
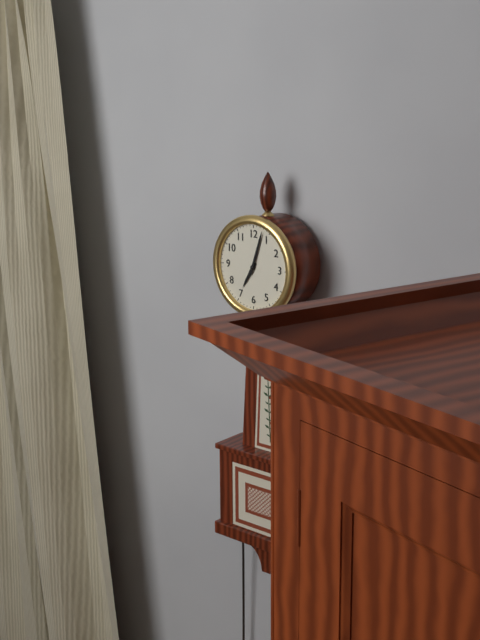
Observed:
7.03
